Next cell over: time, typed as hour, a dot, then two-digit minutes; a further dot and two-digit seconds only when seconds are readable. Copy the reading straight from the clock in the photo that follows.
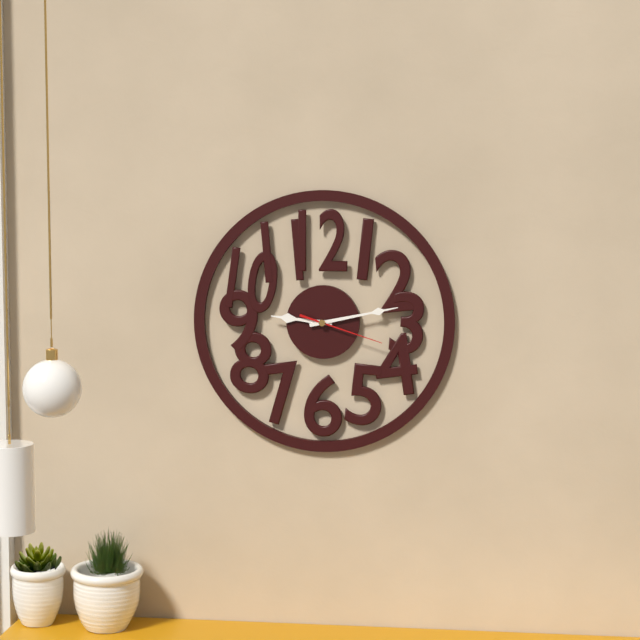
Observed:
9.13.18
